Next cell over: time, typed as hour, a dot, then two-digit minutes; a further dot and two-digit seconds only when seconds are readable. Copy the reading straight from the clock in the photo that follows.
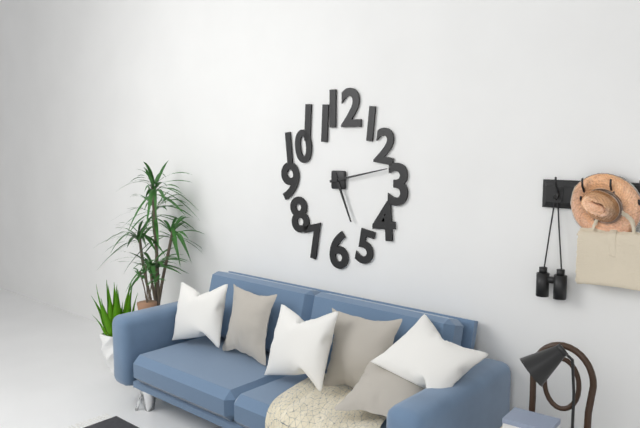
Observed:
5.13
